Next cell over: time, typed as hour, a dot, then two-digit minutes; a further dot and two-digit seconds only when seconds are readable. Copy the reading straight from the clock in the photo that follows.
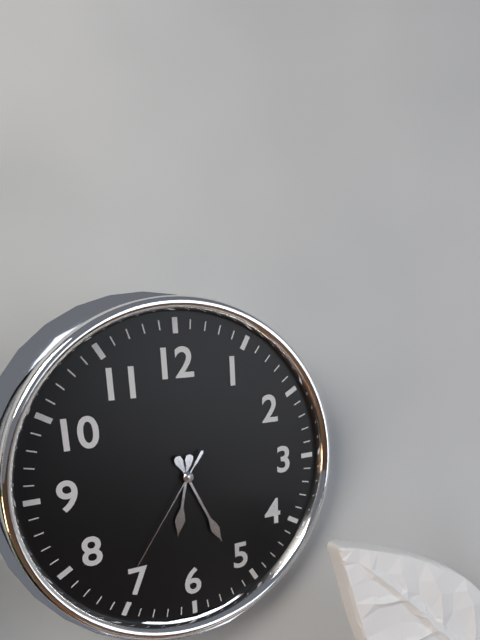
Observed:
6.26.36
